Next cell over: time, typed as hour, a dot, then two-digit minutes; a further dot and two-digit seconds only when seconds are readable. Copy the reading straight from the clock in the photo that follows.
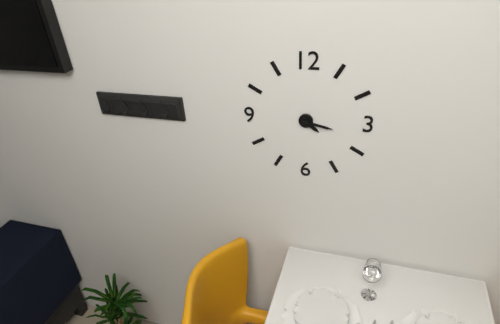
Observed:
4.17
